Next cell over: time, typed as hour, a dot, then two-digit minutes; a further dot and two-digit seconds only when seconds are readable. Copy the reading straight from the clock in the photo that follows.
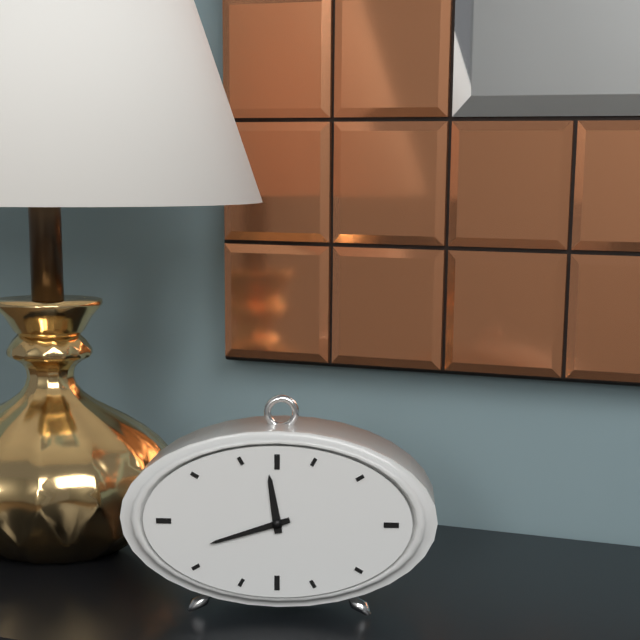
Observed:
11.42
